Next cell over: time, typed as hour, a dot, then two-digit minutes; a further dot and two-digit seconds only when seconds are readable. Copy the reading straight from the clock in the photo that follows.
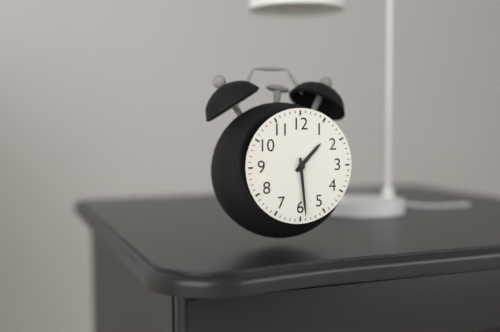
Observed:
1.29
